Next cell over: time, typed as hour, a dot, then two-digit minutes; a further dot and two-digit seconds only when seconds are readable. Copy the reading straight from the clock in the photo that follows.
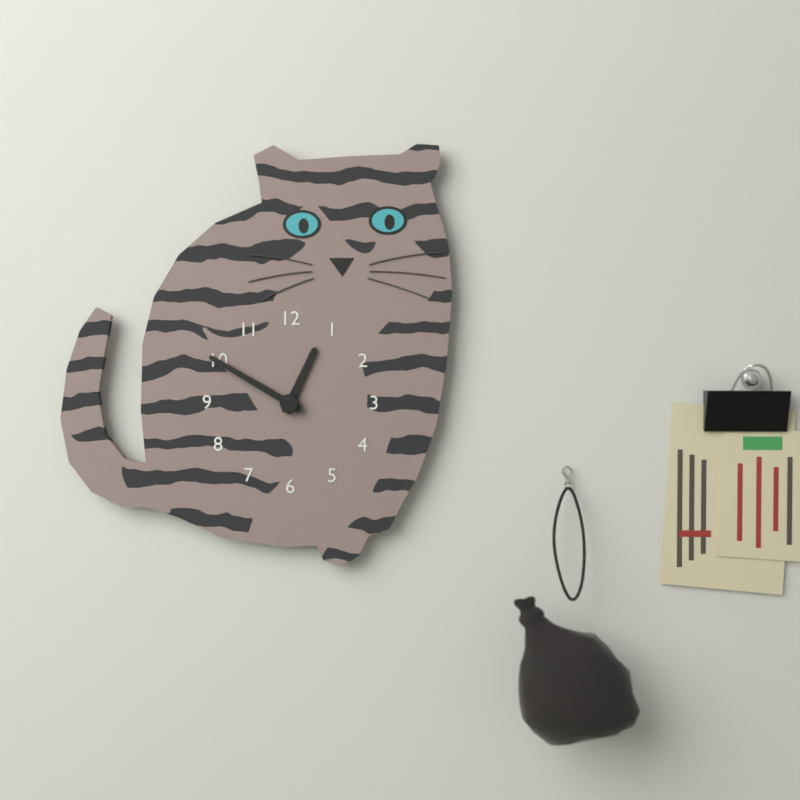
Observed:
12.50
